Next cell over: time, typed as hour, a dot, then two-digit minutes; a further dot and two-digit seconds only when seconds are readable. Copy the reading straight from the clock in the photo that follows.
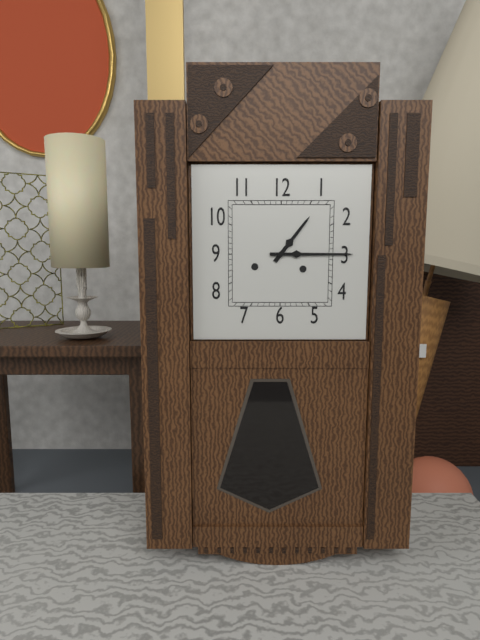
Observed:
1.15
